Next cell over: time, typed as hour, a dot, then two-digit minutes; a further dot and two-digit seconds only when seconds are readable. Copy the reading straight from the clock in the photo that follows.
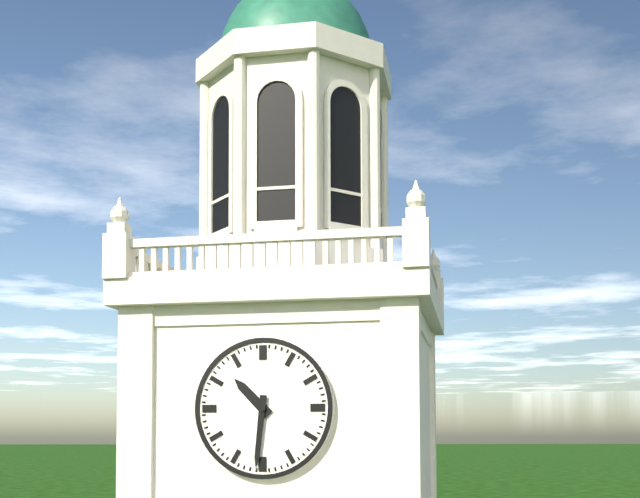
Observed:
10.31
